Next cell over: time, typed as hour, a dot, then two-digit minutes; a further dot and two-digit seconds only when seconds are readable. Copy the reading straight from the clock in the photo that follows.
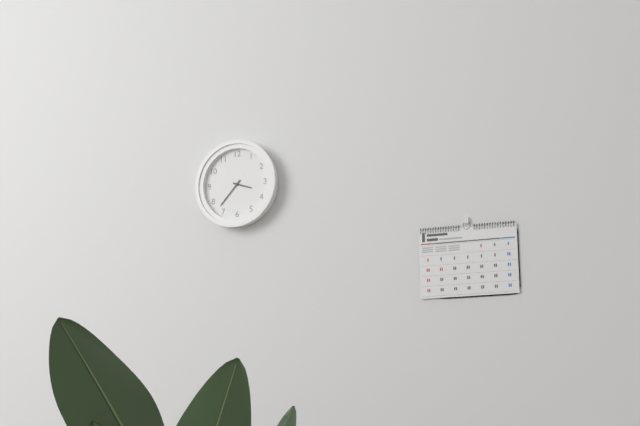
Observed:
3.37
